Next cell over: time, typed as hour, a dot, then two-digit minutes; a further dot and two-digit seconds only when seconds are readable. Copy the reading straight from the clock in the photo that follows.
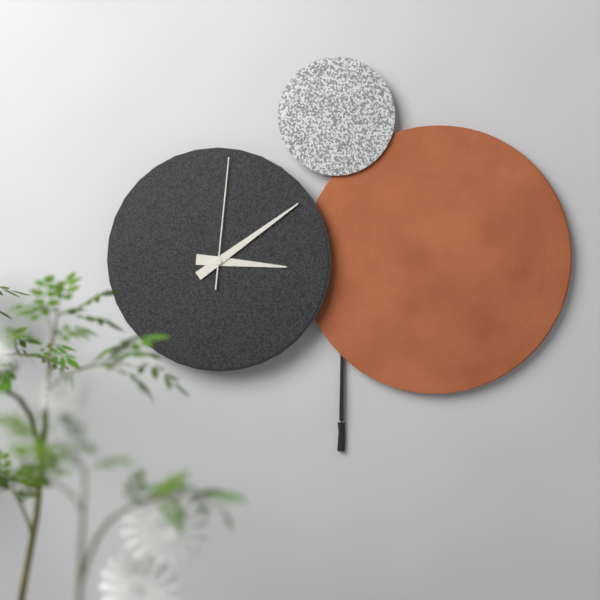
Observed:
3.09.01
